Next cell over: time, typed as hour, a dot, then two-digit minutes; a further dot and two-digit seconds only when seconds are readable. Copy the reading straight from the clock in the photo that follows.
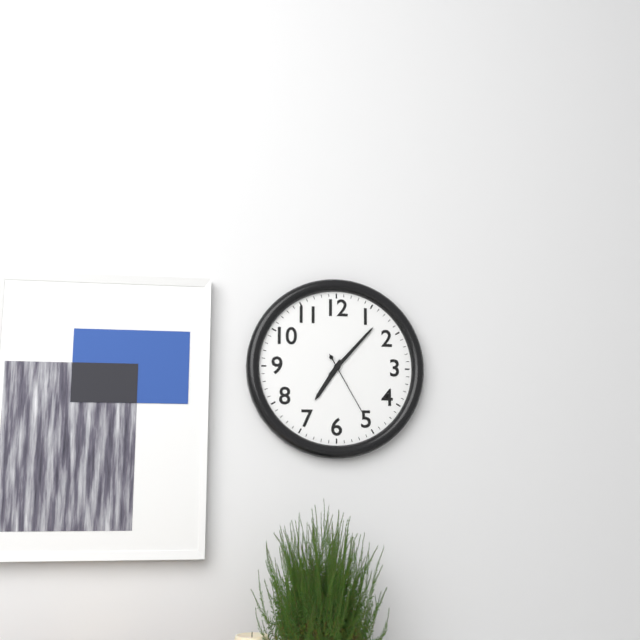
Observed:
7.07.25
